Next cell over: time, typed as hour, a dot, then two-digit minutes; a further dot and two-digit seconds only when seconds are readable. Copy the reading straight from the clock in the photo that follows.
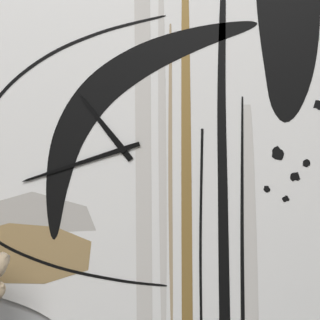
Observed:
10.42
